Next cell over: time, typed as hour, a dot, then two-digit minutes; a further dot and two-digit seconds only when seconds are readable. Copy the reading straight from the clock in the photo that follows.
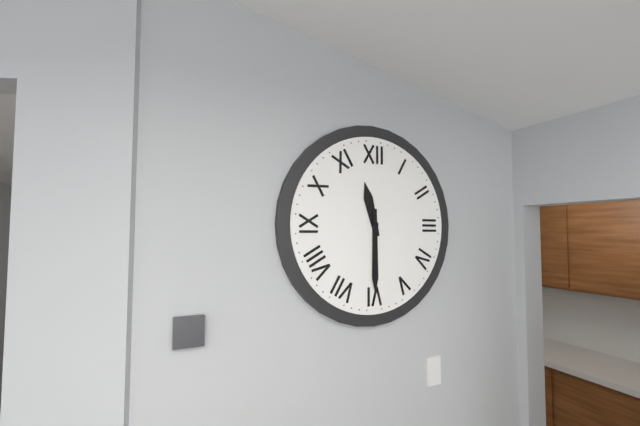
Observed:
11.30
